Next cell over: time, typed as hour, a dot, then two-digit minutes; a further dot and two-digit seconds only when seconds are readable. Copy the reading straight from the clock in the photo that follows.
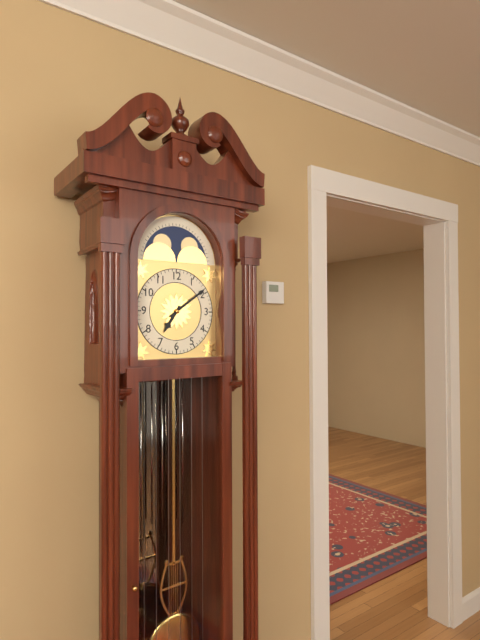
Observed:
7.09
